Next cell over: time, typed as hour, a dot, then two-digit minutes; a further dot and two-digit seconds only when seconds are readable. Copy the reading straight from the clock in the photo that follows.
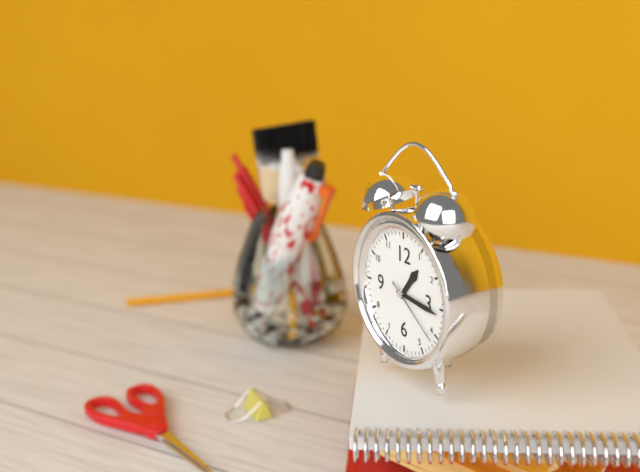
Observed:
1.16.21
